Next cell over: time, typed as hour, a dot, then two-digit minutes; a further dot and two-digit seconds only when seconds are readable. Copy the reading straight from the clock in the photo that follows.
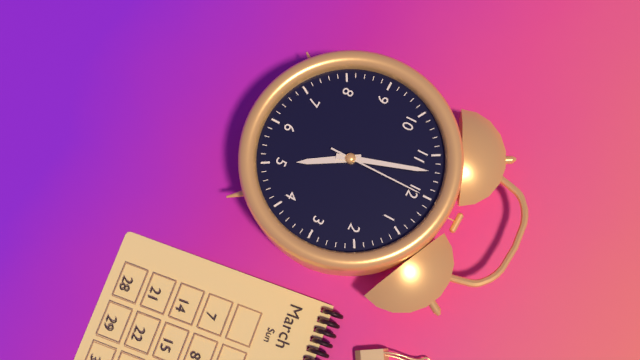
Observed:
4.57.00
